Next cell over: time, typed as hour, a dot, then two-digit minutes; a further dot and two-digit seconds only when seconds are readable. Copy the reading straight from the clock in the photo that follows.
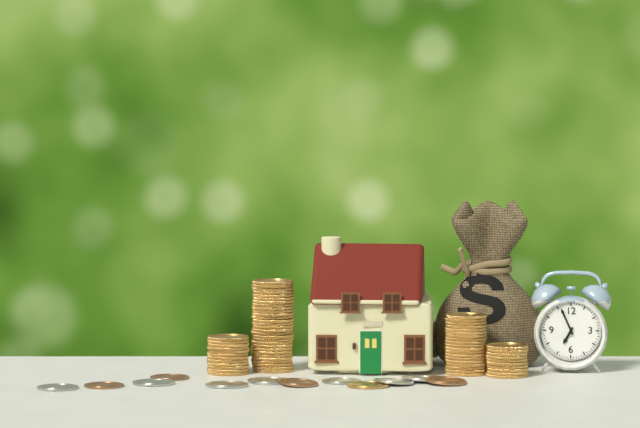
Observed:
6.56
